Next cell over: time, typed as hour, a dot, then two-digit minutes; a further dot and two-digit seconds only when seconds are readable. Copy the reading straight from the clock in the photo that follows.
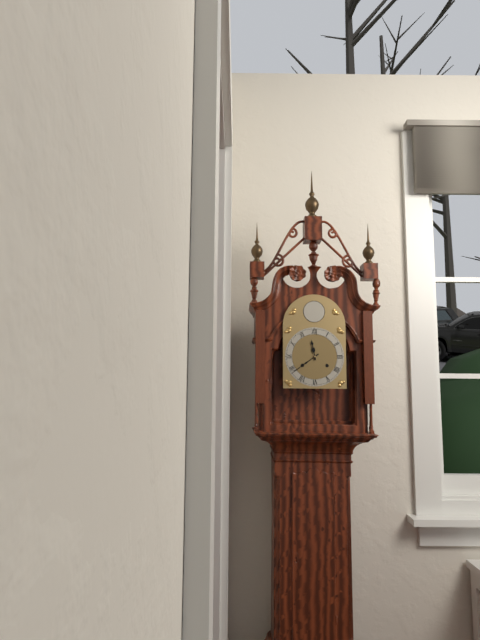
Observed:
11.39
